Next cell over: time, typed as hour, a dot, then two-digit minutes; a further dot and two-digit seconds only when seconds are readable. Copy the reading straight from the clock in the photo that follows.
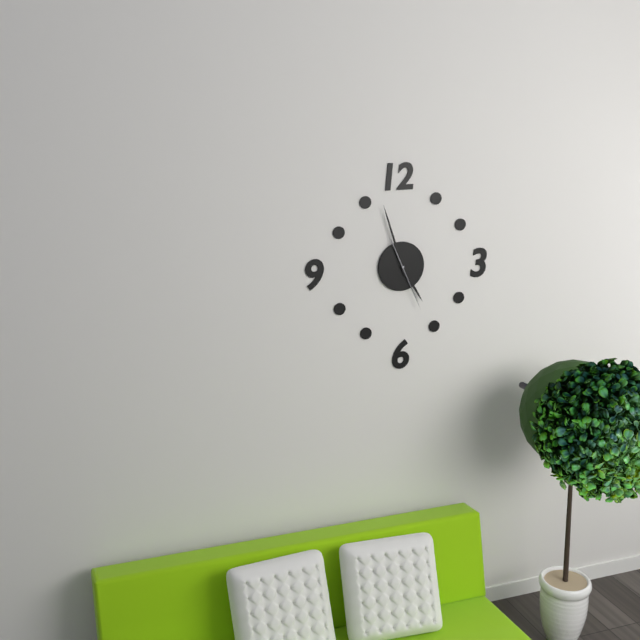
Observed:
4.57.26
